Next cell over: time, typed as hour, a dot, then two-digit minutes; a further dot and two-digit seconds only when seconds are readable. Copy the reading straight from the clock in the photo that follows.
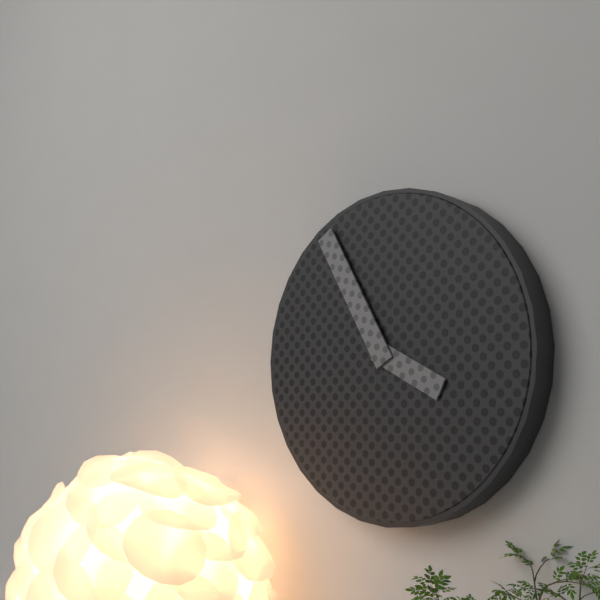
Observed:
3.55
